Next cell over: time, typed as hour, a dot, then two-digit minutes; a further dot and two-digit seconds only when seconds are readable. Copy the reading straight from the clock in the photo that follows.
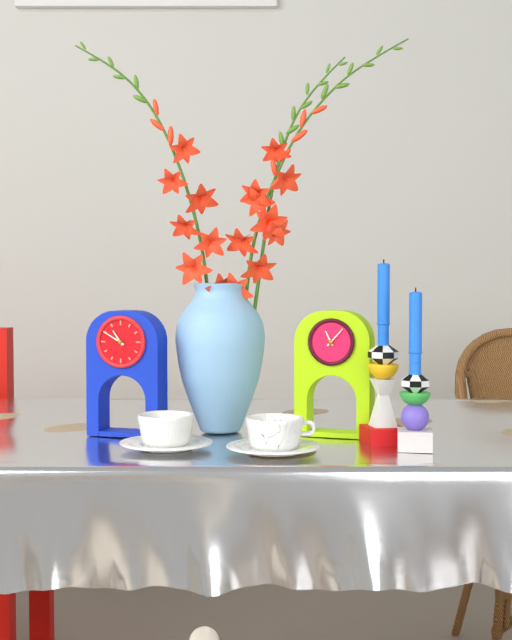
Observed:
10.50
